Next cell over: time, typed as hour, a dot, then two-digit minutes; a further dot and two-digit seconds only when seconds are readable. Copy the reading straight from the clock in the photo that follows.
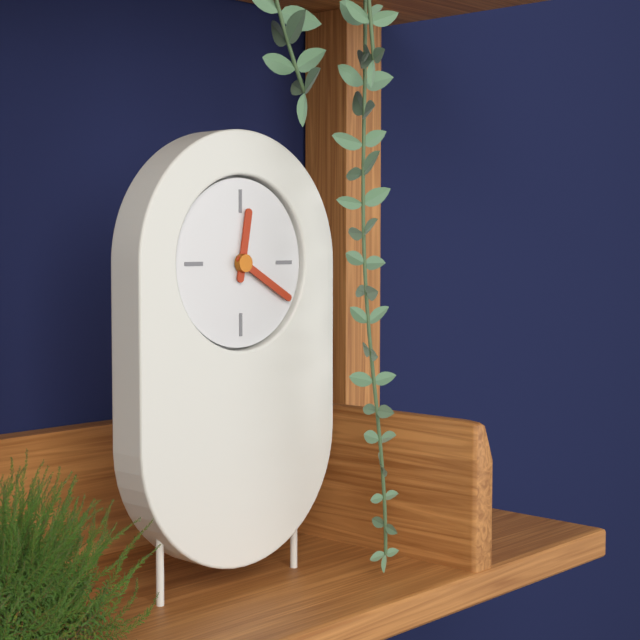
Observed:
12.20
